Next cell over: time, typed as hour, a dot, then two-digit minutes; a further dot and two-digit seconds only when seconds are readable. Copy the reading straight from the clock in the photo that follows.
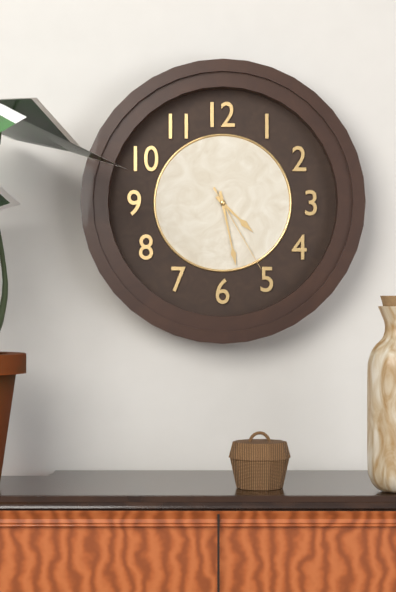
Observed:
4.28.25
